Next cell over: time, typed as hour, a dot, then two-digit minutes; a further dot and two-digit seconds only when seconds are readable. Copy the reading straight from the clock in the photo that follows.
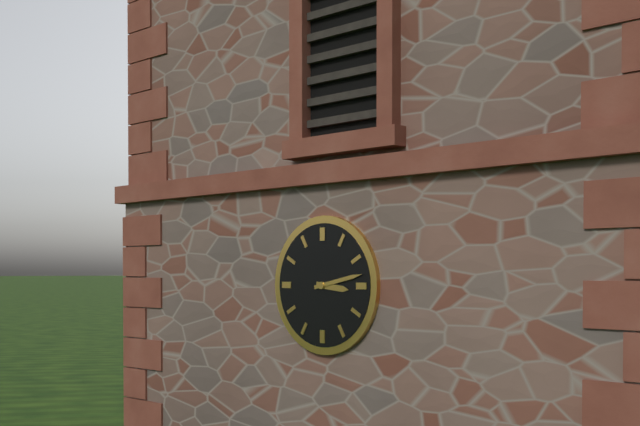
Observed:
3.13
